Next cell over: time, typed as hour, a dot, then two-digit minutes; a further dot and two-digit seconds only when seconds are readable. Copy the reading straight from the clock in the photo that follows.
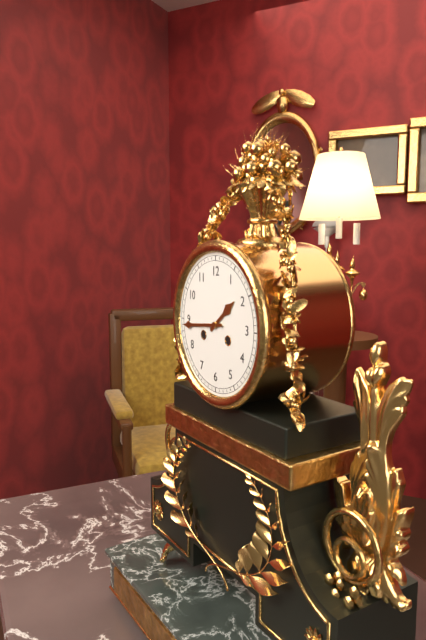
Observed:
1.44
